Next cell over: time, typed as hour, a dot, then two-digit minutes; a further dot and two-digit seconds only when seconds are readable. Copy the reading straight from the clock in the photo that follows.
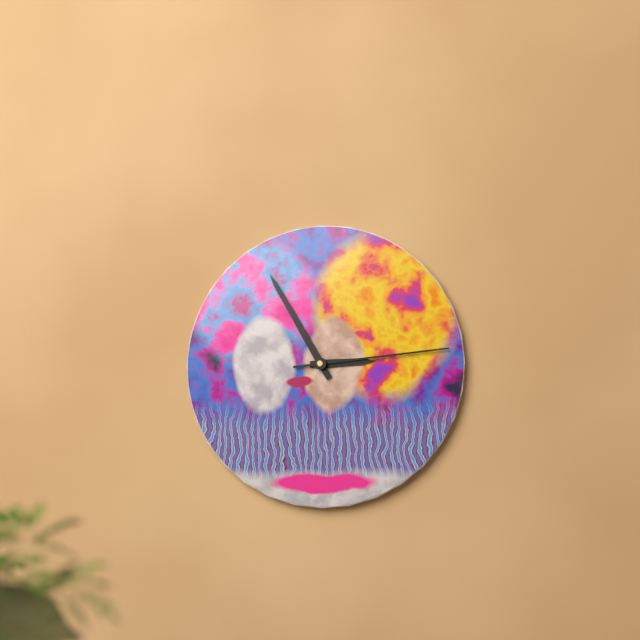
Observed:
2.55.14
